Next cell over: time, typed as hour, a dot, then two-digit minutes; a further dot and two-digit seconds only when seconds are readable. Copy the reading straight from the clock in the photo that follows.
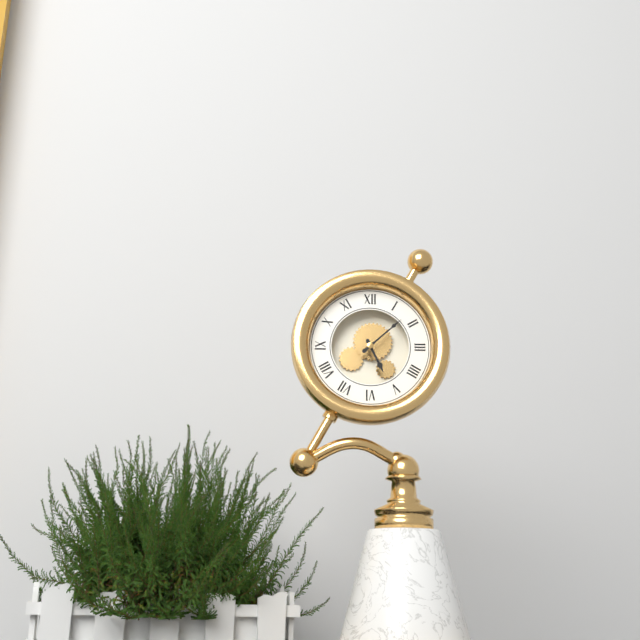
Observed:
5.08
